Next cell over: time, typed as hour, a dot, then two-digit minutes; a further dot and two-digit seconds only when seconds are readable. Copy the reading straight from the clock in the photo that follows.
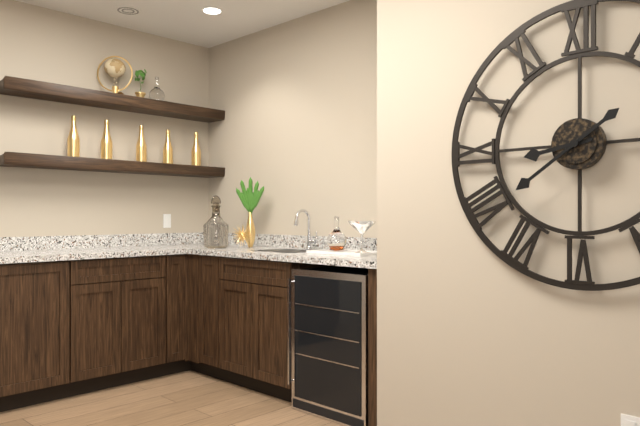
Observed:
8.39
